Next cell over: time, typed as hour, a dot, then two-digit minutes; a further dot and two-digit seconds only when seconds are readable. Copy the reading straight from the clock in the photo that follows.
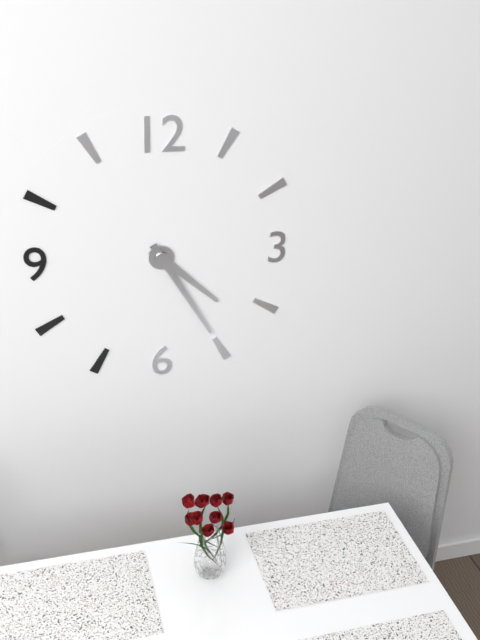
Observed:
4.25
